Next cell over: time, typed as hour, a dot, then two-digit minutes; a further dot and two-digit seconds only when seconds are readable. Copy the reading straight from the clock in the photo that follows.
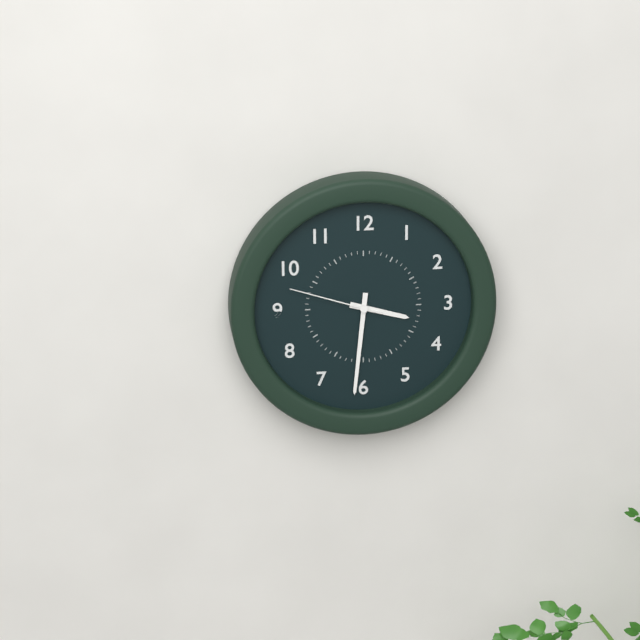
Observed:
3.31.48
